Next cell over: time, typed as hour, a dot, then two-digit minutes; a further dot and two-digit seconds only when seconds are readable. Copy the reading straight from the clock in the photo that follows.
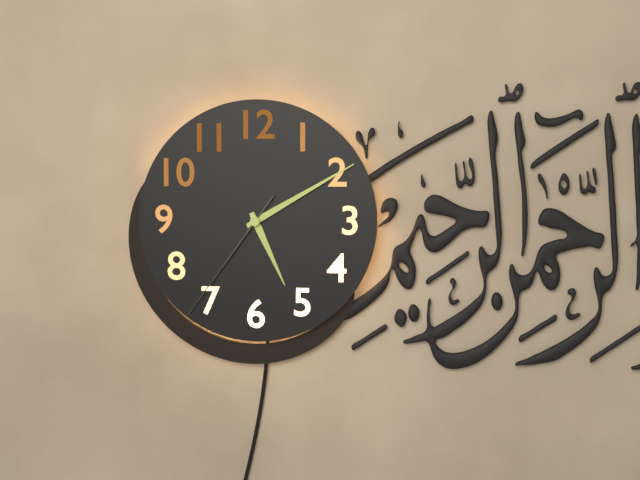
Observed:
5.10.36
